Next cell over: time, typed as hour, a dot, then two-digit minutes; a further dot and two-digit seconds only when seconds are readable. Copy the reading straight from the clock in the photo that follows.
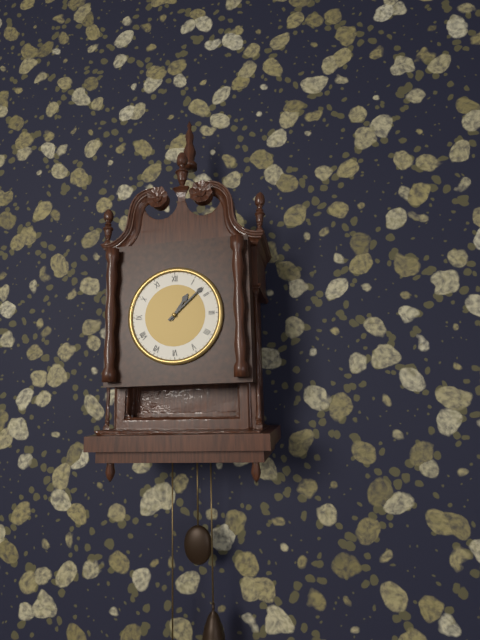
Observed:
1.08
